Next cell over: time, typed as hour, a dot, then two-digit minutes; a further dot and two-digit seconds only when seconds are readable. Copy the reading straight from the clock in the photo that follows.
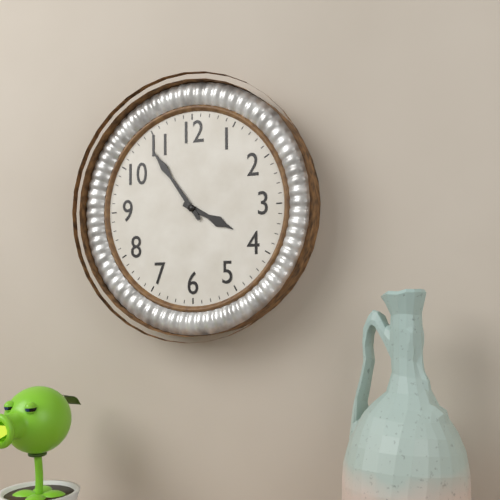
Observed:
3.54
